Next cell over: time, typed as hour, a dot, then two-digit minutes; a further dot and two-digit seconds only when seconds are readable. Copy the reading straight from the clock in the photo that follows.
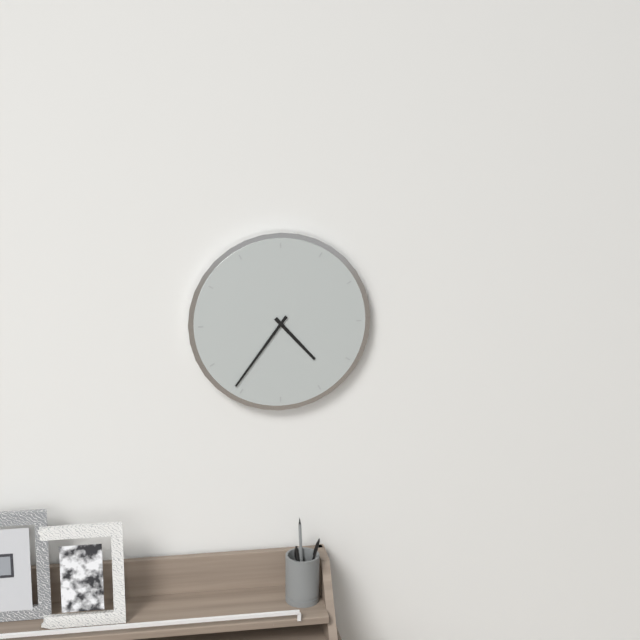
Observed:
4.36
